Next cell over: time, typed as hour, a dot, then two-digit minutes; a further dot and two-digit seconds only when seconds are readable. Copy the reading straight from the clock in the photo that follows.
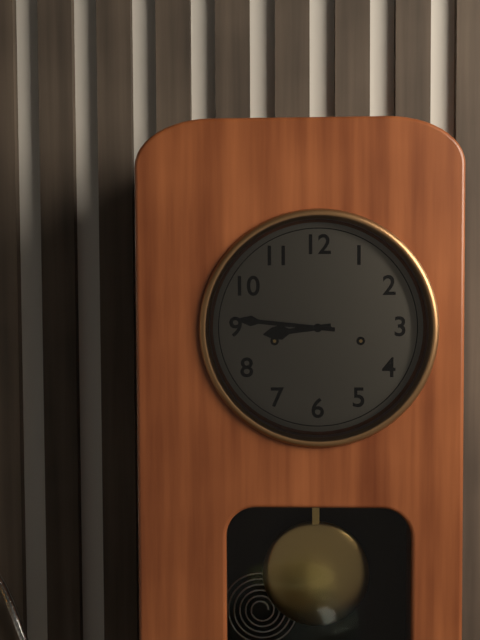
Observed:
8.46
